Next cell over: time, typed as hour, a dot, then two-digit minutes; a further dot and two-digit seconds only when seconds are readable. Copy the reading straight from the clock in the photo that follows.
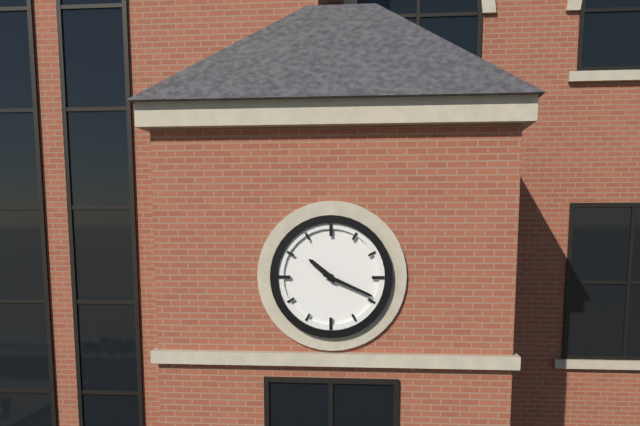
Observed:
10.19
